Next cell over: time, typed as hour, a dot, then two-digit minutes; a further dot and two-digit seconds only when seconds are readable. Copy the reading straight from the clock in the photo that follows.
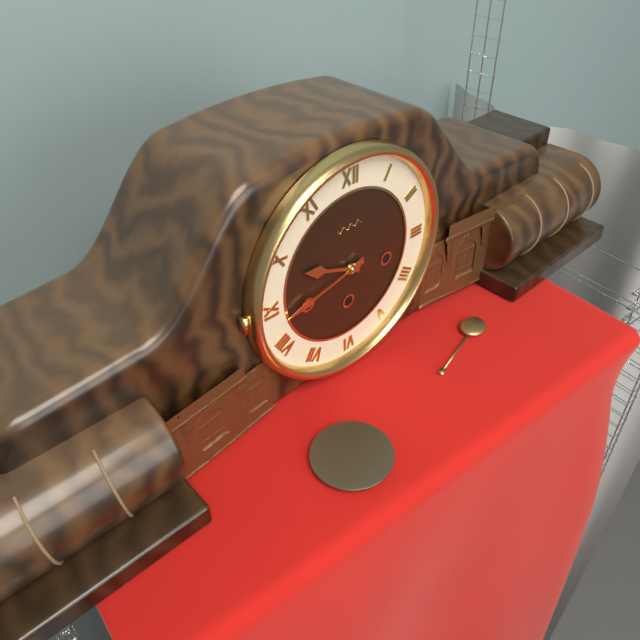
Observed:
9.43
